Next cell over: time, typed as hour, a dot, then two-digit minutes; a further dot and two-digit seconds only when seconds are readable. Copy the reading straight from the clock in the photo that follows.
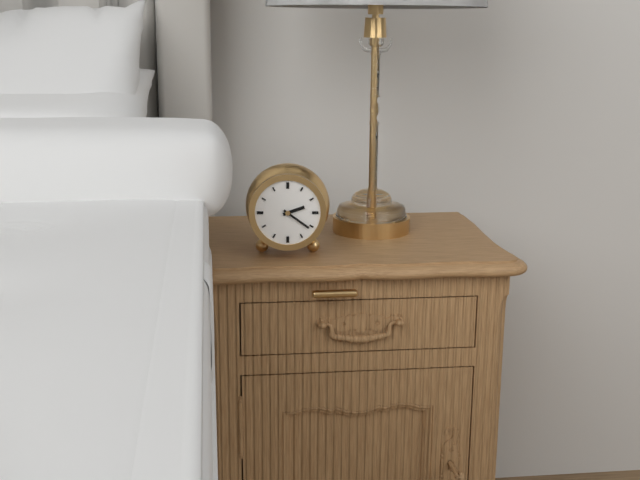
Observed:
2.21
